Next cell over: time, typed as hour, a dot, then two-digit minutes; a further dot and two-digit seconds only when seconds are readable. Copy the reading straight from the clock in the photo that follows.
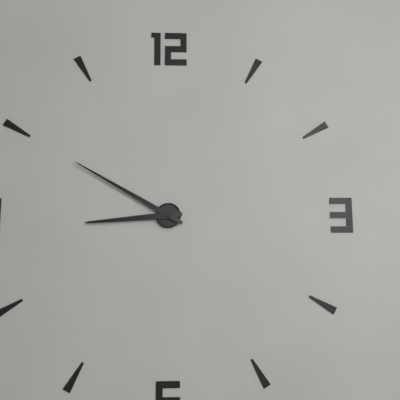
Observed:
8.50
